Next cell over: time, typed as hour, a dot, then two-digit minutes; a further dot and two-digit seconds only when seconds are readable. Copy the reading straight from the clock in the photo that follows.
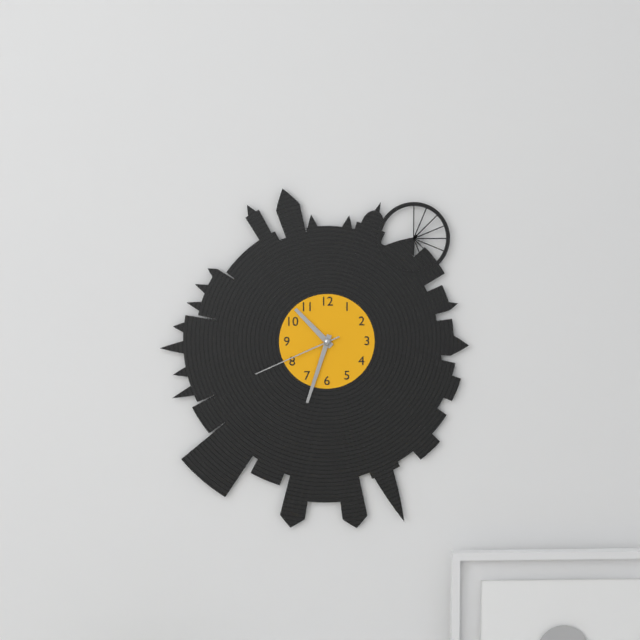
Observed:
10.33.41
